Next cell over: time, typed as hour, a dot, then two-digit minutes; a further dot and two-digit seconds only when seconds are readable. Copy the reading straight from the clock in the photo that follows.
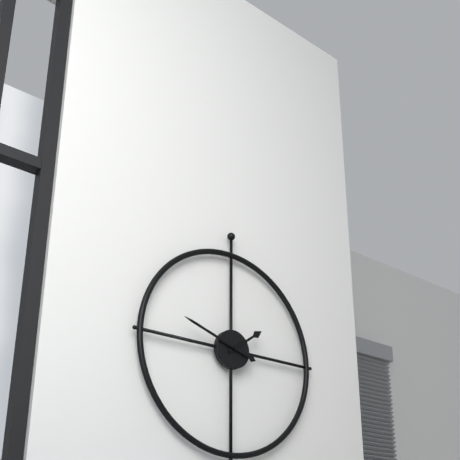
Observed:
1.48
